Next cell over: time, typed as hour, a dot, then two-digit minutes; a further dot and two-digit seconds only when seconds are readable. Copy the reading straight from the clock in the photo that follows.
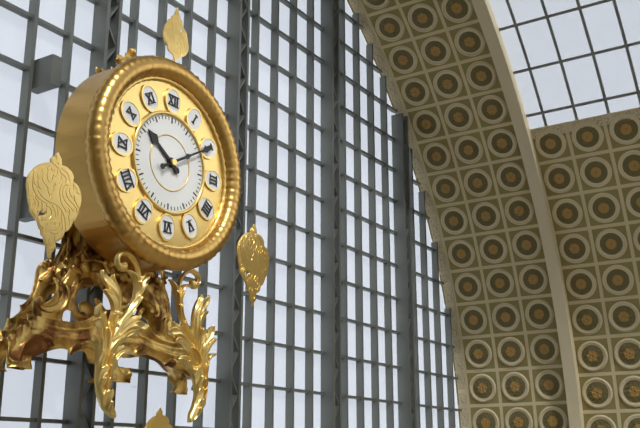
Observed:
10.10
